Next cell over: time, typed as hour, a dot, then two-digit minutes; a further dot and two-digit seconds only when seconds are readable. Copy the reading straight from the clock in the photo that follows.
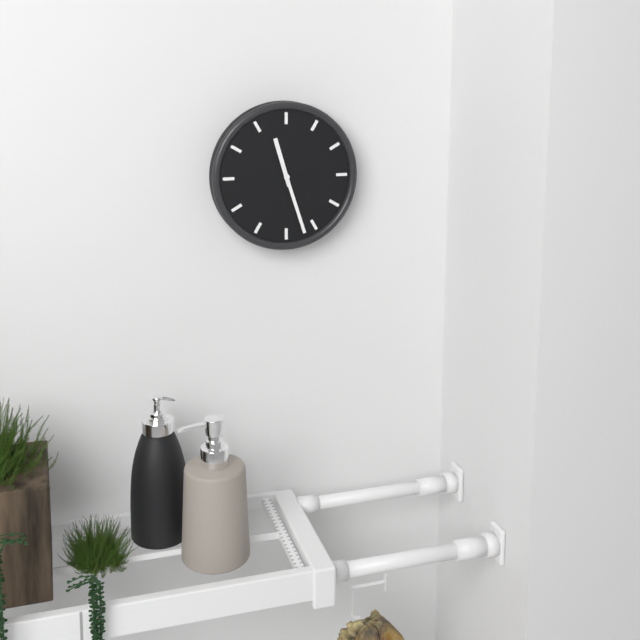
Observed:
11.27
